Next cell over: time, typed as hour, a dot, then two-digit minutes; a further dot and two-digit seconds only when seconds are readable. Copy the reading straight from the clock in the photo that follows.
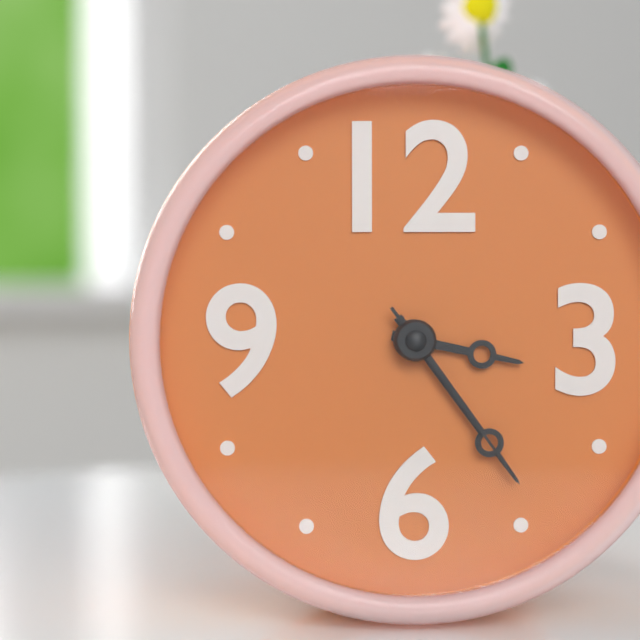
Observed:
3.24.24
